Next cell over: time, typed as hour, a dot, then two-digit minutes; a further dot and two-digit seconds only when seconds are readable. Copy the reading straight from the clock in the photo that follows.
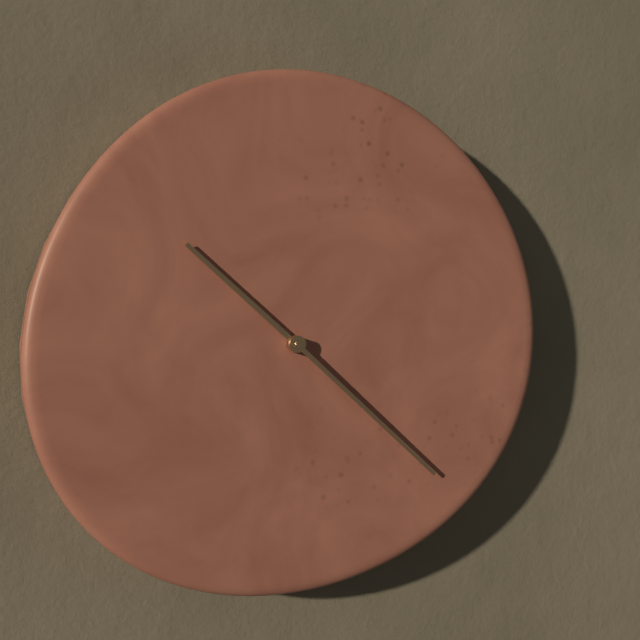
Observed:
10.22
